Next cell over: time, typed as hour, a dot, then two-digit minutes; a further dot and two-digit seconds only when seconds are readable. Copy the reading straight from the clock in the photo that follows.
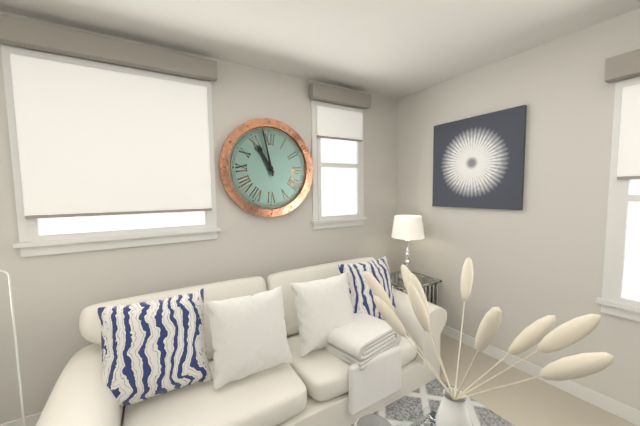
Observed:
10.58
